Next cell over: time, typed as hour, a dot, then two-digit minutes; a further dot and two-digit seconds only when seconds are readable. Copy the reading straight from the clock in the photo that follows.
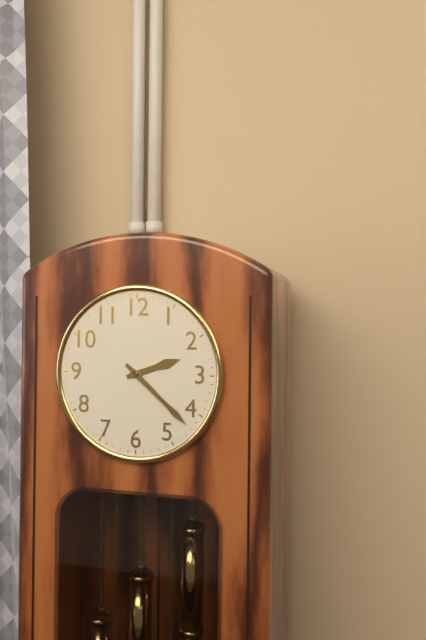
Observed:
2.22
